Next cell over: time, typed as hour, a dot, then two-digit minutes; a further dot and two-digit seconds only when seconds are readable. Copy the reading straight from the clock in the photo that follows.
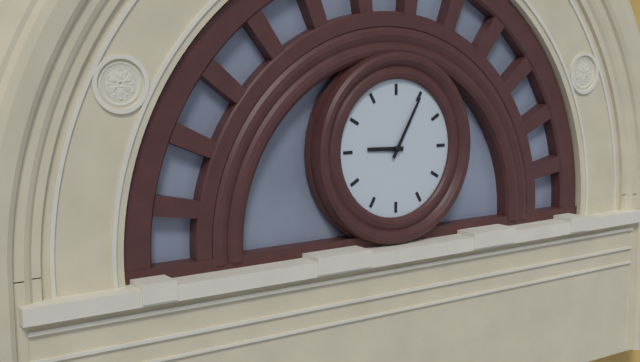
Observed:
9.05
